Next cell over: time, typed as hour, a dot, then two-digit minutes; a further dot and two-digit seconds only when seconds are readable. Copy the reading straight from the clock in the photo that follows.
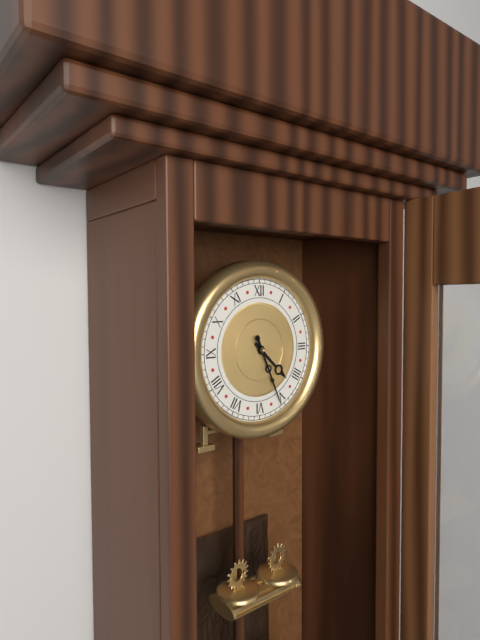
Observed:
4.26
